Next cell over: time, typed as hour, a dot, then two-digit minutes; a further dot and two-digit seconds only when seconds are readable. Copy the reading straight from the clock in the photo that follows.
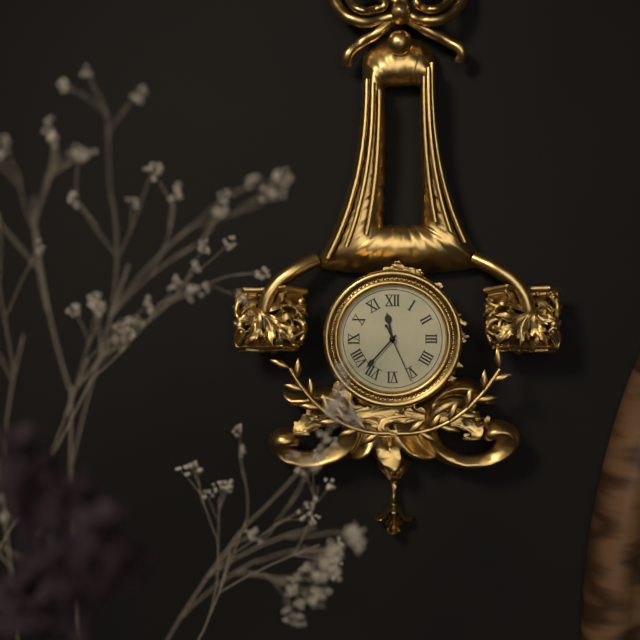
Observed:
11.37.26
